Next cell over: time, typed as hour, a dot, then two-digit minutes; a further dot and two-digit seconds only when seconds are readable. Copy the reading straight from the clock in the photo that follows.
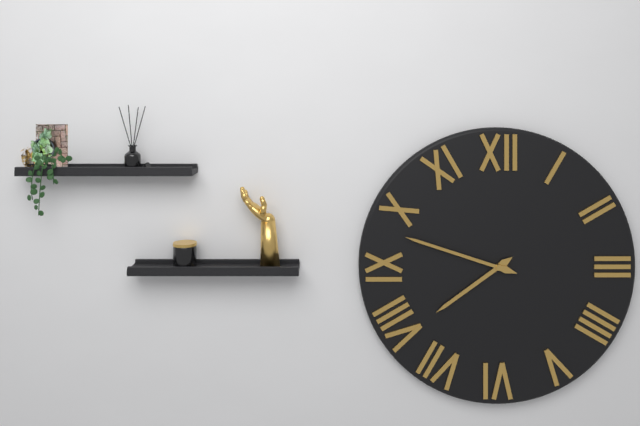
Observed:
7.48
